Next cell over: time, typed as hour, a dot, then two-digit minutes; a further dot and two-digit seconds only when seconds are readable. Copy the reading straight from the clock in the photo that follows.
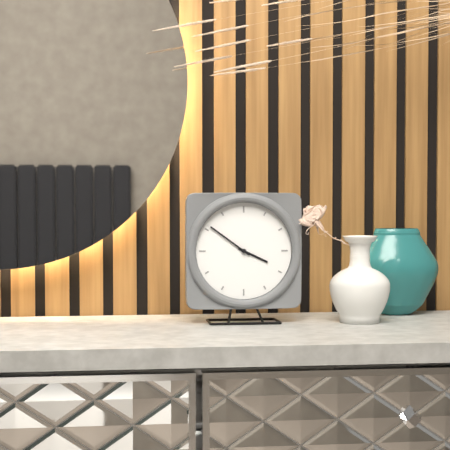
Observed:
3.51
